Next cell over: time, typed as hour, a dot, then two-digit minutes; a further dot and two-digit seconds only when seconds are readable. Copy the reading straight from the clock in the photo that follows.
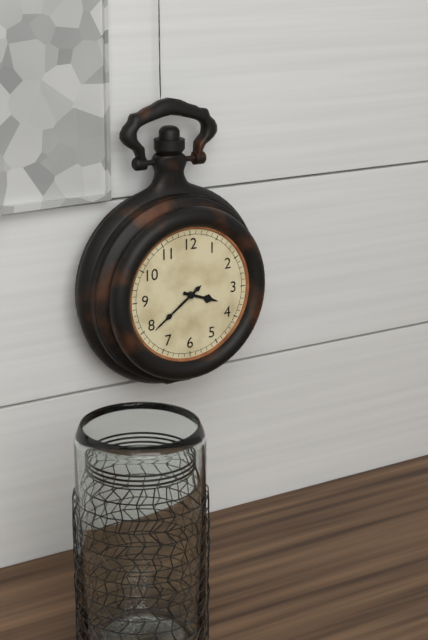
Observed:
3.39
